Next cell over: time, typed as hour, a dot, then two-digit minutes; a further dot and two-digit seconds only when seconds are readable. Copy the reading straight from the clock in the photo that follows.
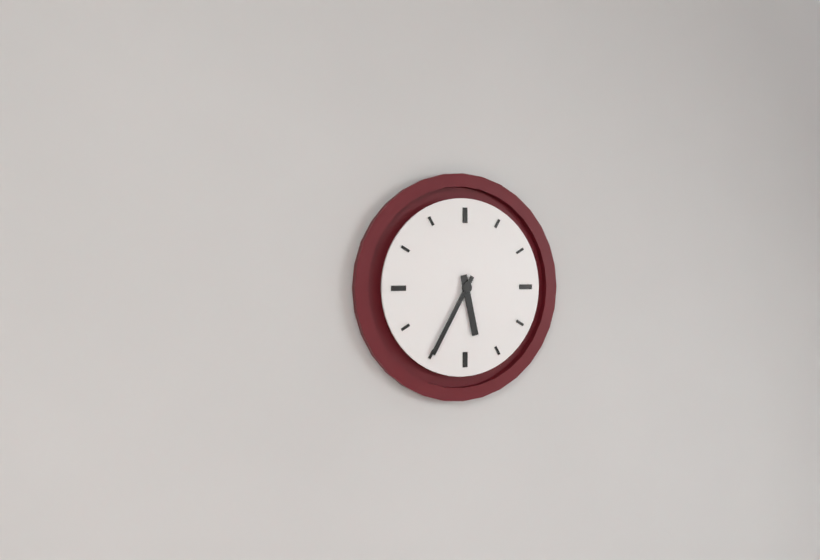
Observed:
5.35
